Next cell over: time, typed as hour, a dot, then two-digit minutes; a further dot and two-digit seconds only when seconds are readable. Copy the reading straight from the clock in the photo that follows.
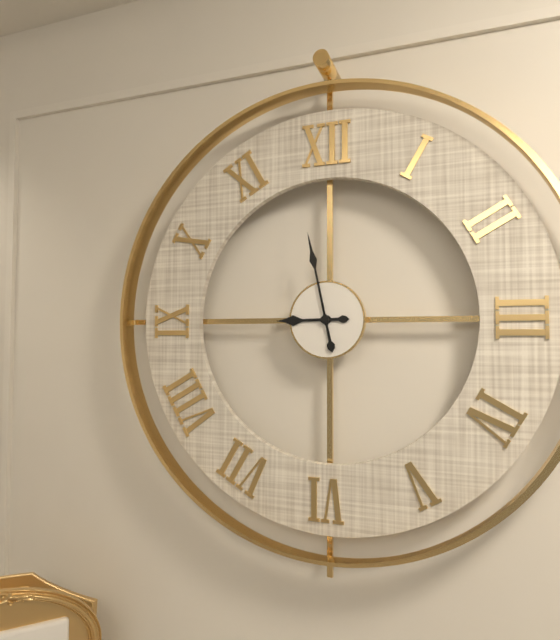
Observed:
8.58
